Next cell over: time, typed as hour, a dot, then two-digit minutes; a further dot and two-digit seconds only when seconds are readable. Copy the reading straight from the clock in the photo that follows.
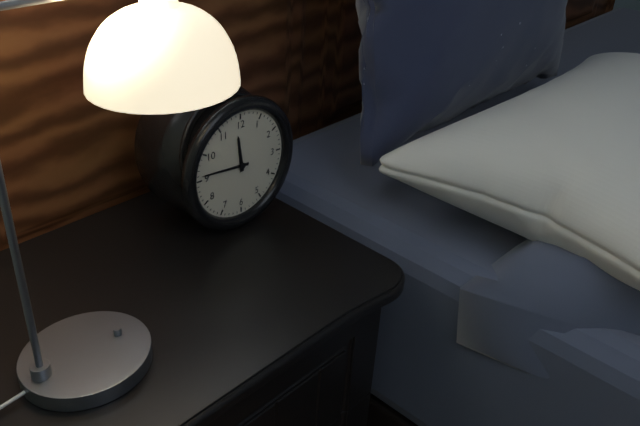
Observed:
11.46
